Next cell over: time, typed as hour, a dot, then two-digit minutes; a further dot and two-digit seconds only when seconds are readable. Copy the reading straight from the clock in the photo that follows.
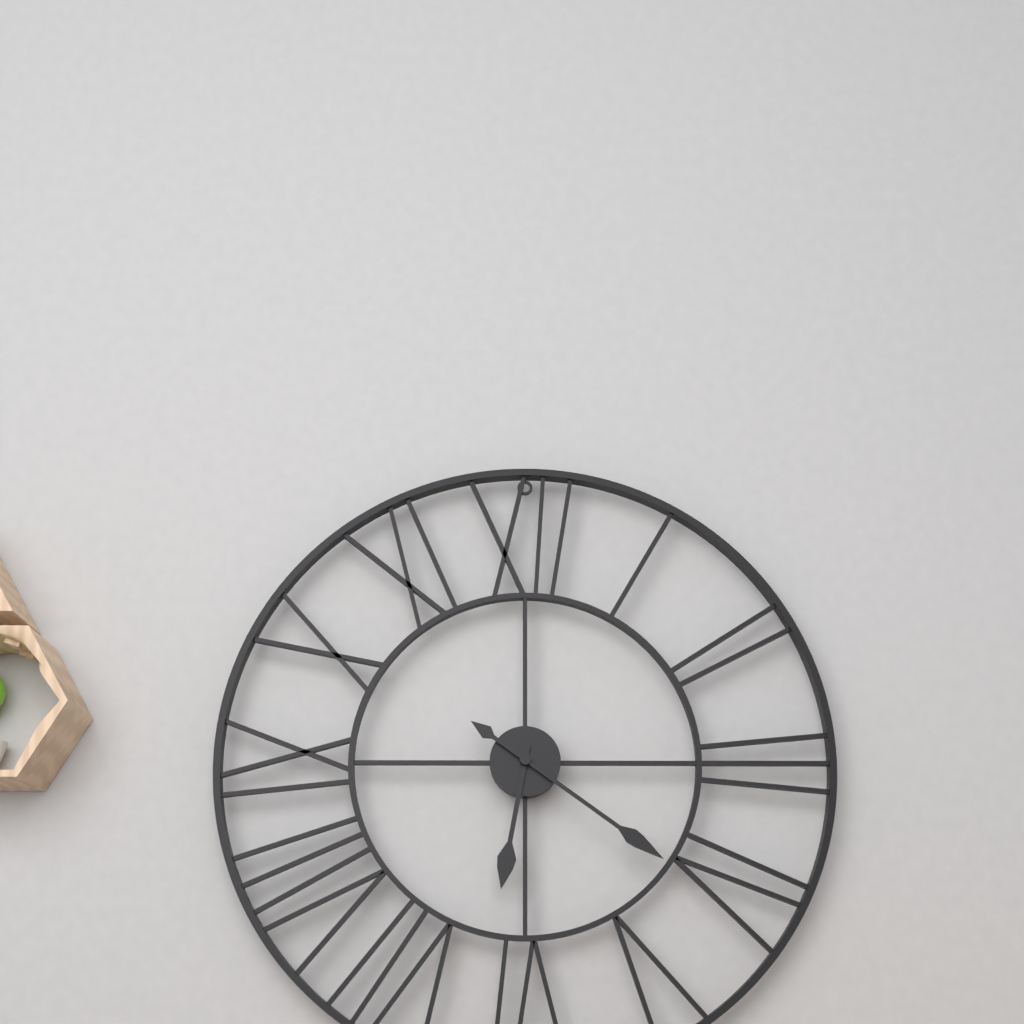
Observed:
6.21
